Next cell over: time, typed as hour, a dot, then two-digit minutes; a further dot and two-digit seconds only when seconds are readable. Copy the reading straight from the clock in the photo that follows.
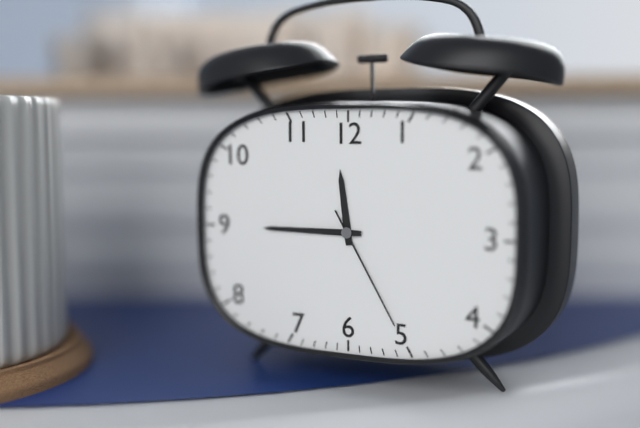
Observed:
11.45.25
